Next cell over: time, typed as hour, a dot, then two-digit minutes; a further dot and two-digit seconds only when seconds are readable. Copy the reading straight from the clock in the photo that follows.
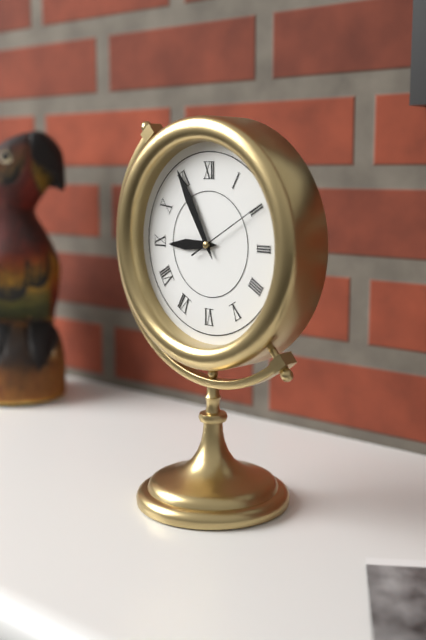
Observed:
8.55.10
